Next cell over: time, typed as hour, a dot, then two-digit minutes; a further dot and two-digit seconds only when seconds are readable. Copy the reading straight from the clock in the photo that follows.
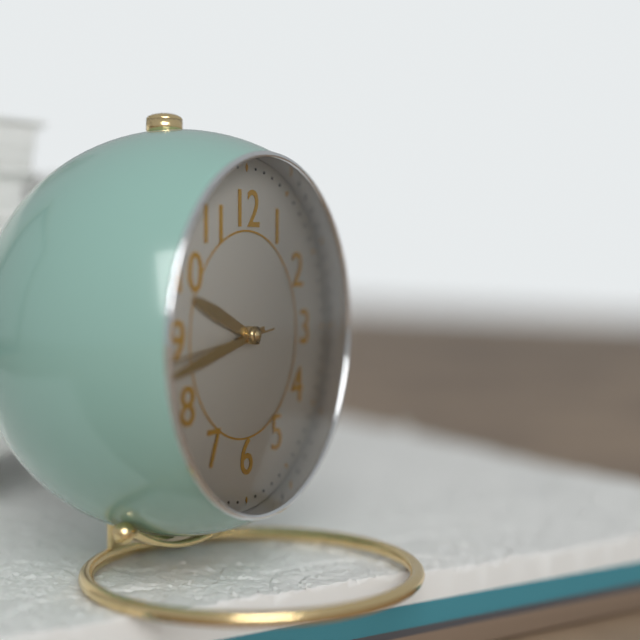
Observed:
9.43.44
